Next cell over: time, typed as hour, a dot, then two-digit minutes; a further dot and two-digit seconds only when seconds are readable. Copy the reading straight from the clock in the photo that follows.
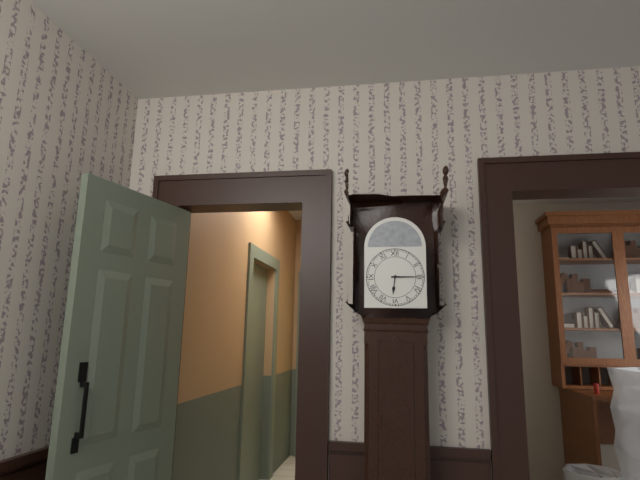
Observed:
6.15
